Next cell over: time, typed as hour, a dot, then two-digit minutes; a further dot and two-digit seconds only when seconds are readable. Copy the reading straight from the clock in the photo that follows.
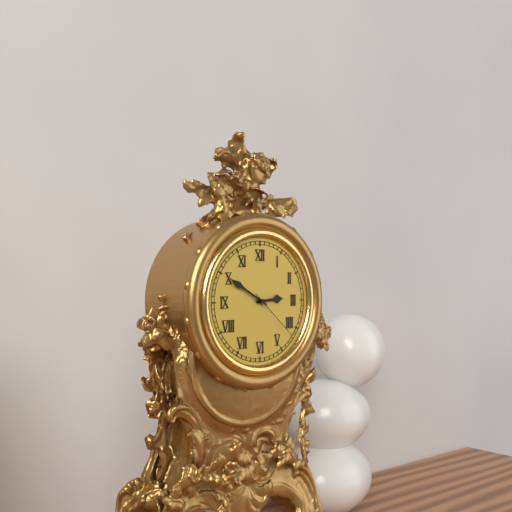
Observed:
2.50.22
